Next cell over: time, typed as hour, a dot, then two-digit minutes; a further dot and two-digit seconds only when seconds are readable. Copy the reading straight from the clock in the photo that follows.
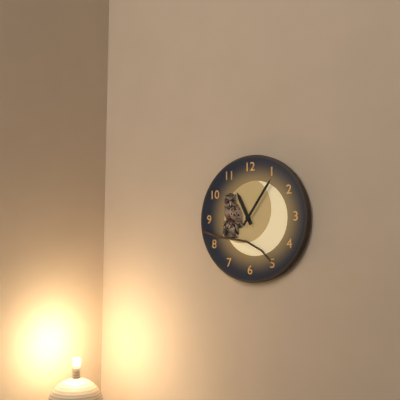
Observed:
11.06
